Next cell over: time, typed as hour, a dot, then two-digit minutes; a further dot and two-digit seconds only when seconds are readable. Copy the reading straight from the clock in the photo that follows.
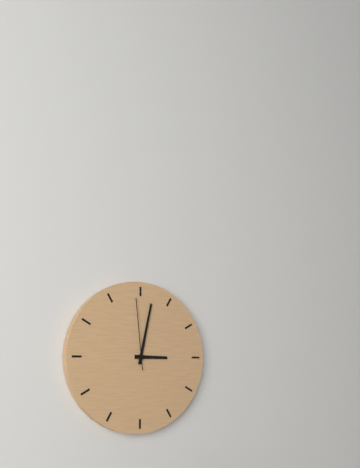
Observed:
3.02.59
